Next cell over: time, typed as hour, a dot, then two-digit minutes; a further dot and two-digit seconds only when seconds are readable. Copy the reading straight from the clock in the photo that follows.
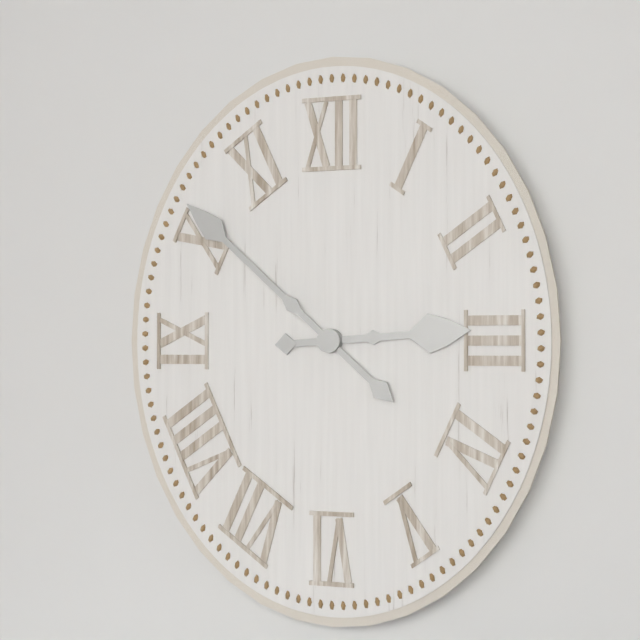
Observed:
2.52
